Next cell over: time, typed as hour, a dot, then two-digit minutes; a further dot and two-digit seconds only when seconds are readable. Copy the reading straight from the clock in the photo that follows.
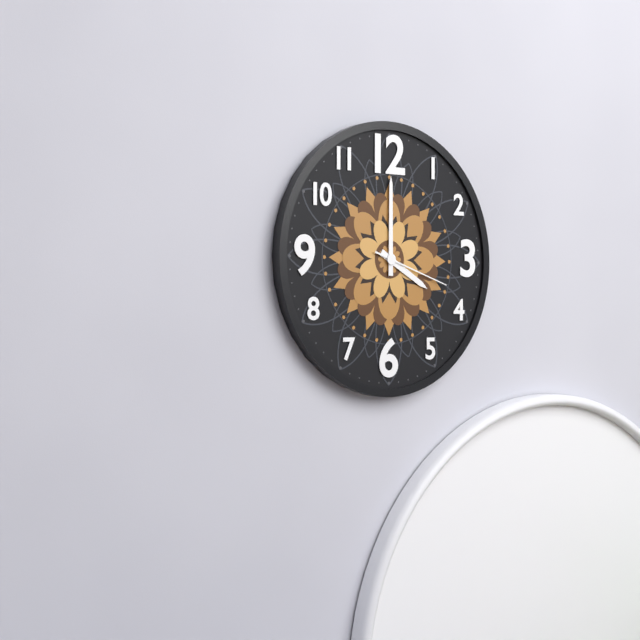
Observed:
4.00.18
